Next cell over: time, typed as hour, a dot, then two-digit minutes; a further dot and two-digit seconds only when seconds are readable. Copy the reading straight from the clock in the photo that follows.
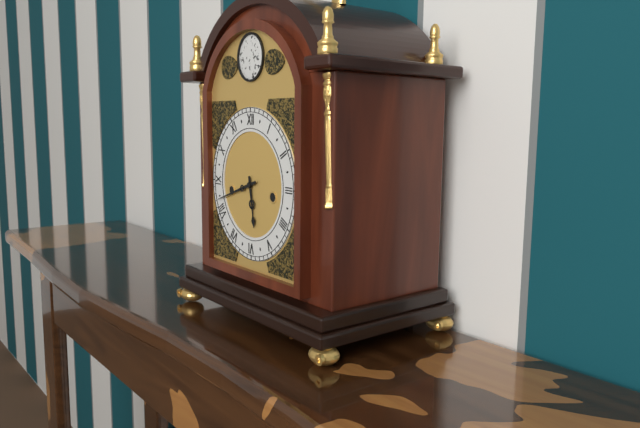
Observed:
5.42
